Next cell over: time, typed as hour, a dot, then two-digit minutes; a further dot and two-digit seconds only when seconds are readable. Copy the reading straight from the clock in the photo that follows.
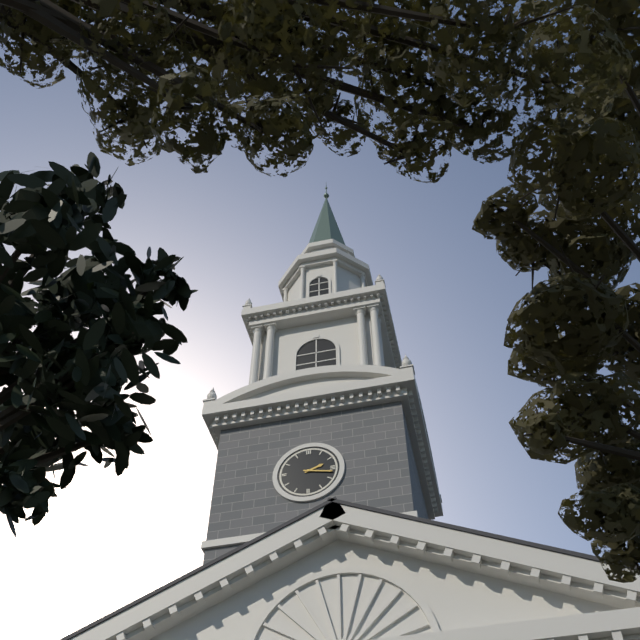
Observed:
2.17
